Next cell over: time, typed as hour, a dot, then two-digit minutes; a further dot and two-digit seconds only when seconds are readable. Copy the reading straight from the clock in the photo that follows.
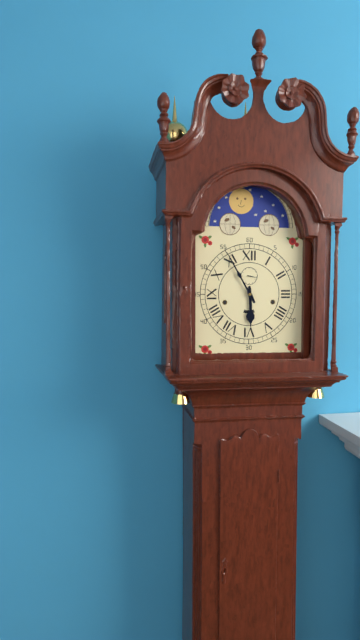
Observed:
5.55
